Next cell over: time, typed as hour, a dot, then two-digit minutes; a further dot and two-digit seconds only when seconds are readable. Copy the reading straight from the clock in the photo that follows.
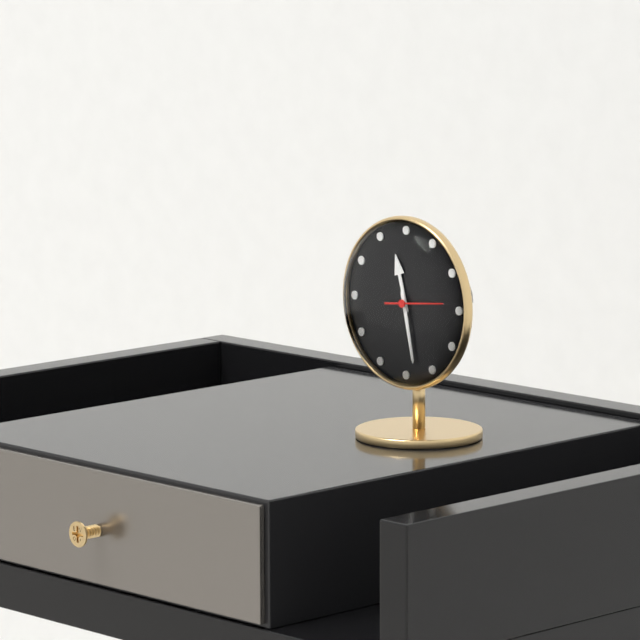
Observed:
11.28
